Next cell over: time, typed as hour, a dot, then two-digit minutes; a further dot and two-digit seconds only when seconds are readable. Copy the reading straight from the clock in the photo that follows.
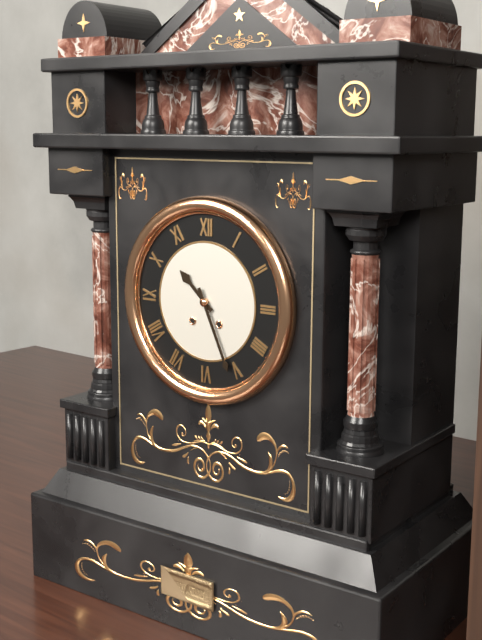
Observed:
10.26
